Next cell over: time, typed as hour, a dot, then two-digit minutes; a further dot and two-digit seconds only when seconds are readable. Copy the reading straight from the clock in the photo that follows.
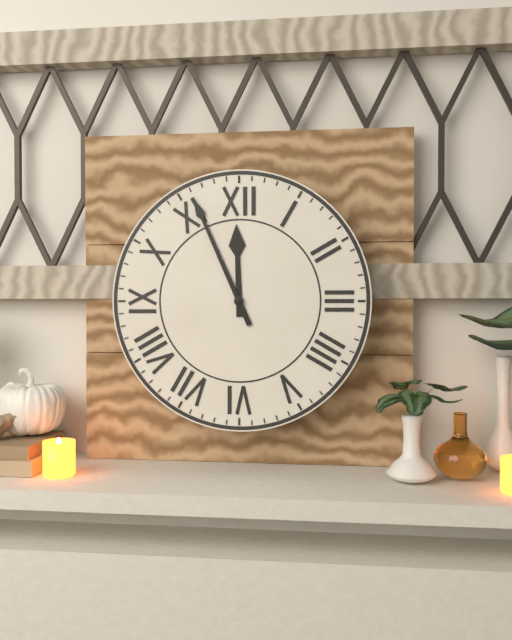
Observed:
11.56
